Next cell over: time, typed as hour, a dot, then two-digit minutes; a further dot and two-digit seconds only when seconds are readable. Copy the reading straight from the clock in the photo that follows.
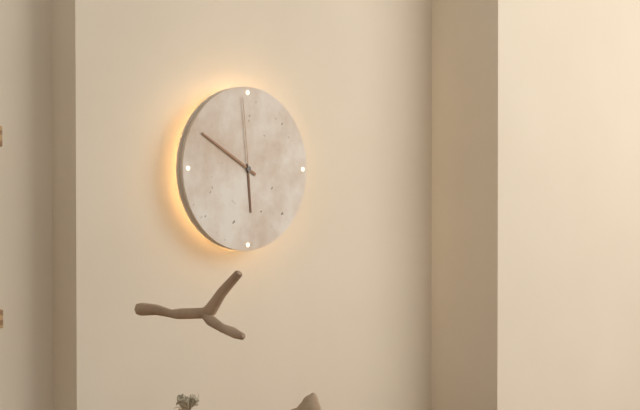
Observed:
5.50.59
